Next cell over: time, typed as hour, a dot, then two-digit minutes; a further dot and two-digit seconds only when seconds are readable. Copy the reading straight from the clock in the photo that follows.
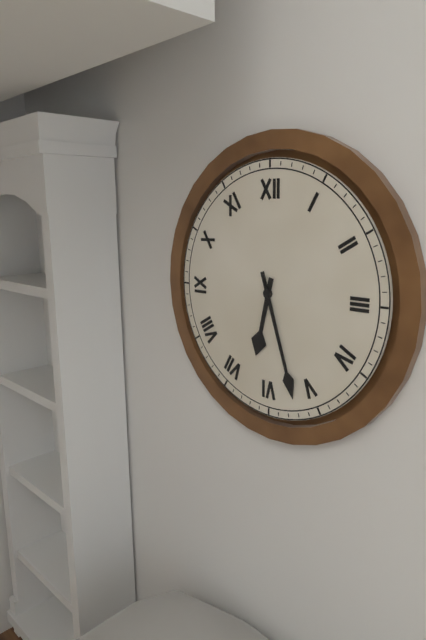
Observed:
6.27
